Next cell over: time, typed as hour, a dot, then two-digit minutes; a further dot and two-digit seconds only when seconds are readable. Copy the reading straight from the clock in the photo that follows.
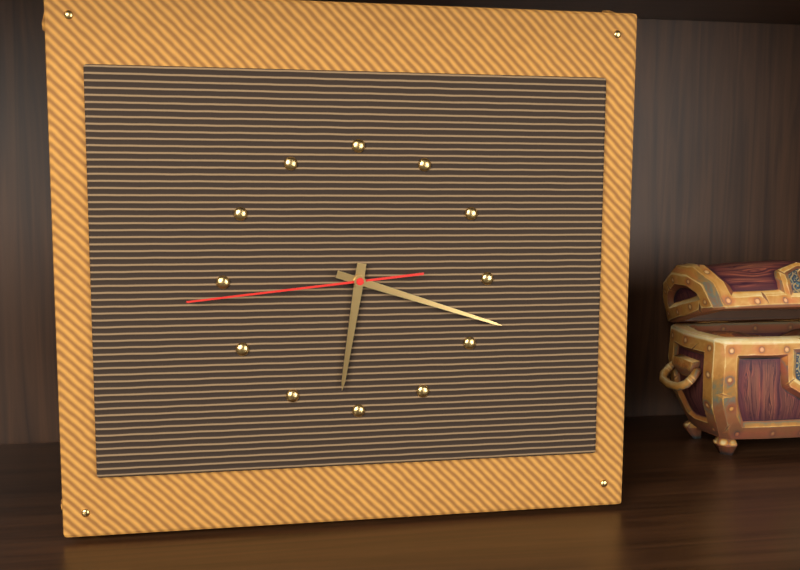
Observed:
6.18.44
